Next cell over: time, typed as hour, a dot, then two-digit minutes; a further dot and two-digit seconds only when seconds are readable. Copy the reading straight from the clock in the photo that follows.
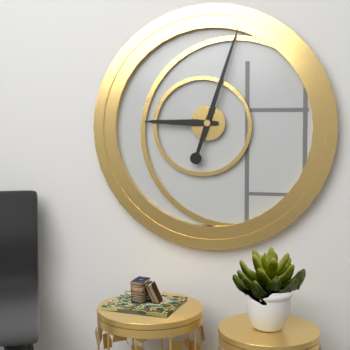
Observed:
9.03
